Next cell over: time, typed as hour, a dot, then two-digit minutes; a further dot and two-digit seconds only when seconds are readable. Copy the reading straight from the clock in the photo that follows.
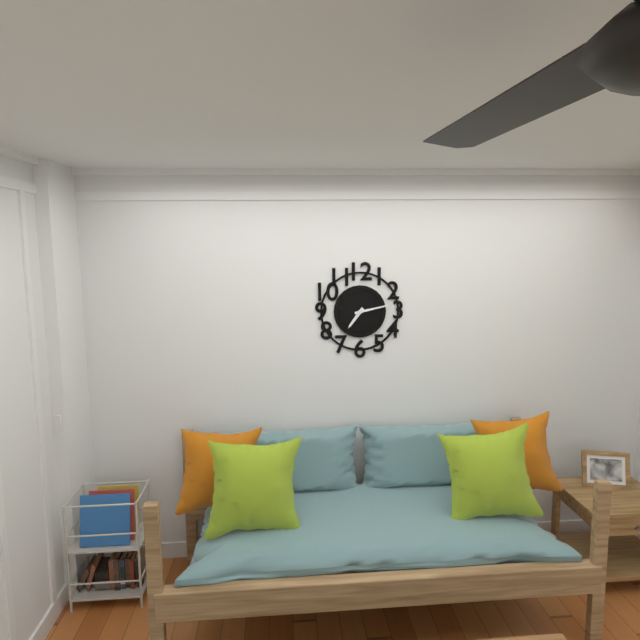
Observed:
7.13
